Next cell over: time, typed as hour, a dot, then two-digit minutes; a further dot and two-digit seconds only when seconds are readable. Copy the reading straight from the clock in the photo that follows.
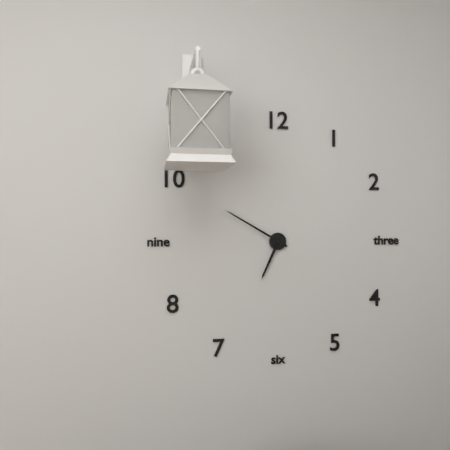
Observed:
6.50
